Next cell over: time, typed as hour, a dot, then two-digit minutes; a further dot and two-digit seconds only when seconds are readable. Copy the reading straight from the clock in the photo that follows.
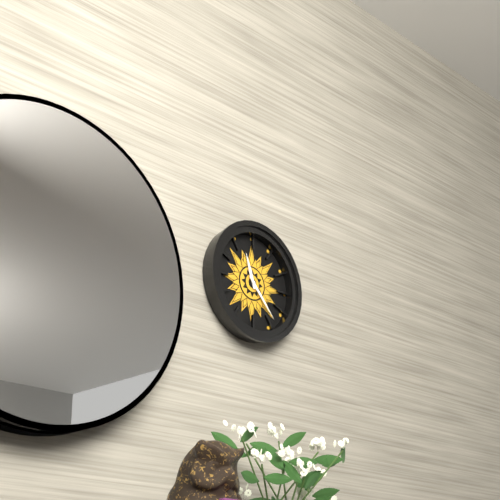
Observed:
11.23
